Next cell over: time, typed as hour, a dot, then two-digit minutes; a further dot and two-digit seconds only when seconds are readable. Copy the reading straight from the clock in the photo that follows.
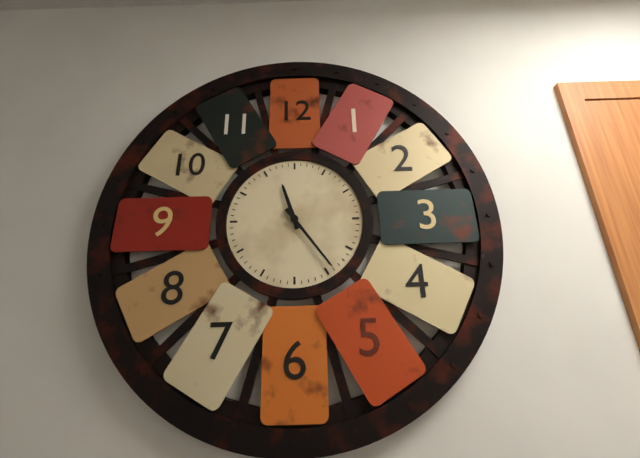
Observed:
11.24
